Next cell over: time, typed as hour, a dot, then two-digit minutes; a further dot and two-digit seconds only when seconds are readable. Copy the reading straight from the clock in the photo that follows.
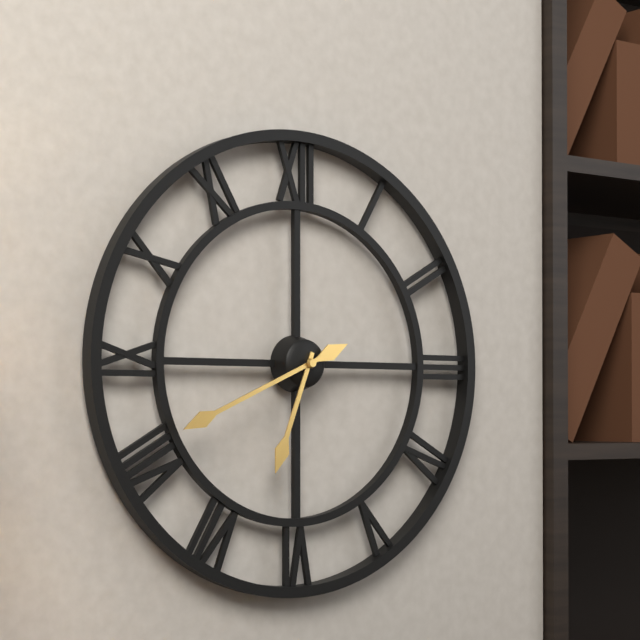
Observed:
6.41
